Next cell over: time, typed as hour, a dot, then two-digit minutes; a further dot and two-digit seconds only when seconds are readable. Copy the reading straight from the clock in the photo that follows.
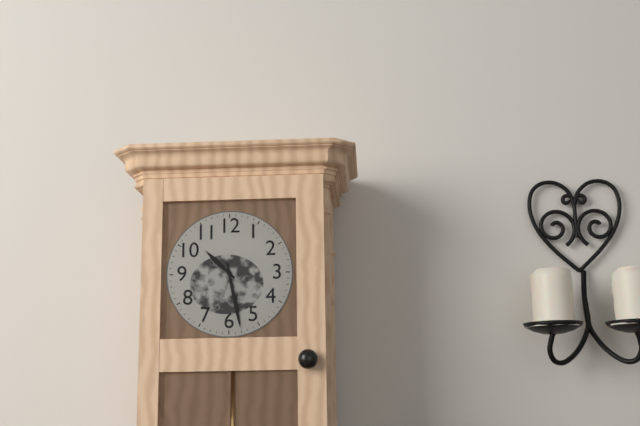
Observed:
10.28
